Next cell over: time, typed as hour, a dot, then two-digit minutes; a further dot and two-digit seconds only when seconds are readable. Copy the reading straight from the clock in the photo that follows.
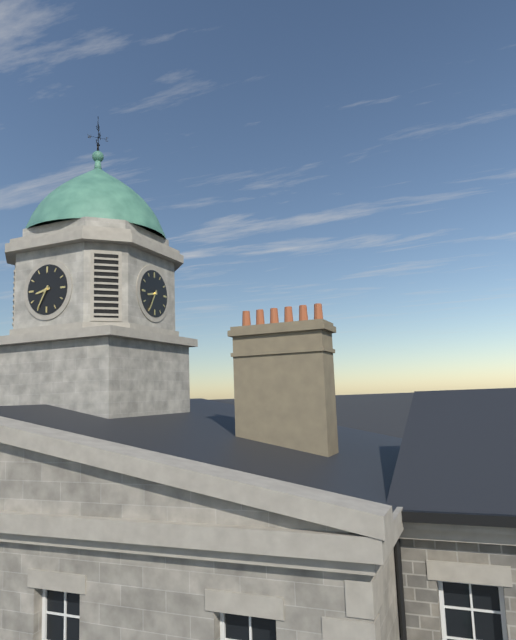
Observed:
8.35
